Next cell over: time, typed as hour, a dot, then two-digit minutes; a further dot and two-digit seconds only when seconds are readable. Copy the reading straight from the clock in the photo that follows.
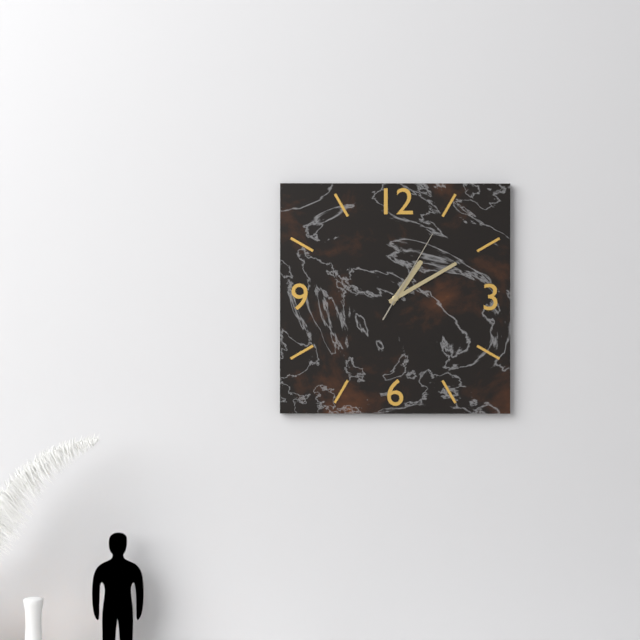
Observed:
1.10.05
